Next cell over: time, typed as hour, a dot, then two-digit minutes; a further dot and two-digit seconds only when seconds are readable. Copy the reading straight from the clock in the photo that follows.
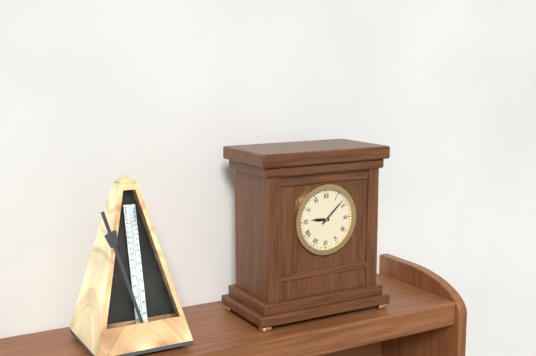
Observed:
9.08
